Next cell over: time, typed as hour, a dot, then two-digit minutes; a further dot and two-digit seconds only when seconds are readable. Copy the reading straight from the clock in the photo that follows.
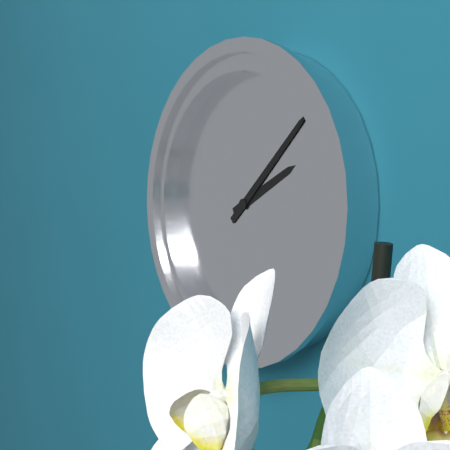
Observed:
2.08
